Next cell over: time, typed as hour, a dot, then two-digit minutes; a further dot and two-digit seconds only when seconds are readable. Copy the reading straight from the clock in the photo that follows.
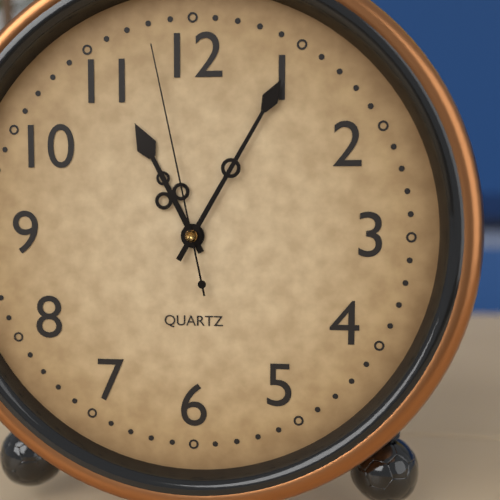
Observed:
11.05.58
